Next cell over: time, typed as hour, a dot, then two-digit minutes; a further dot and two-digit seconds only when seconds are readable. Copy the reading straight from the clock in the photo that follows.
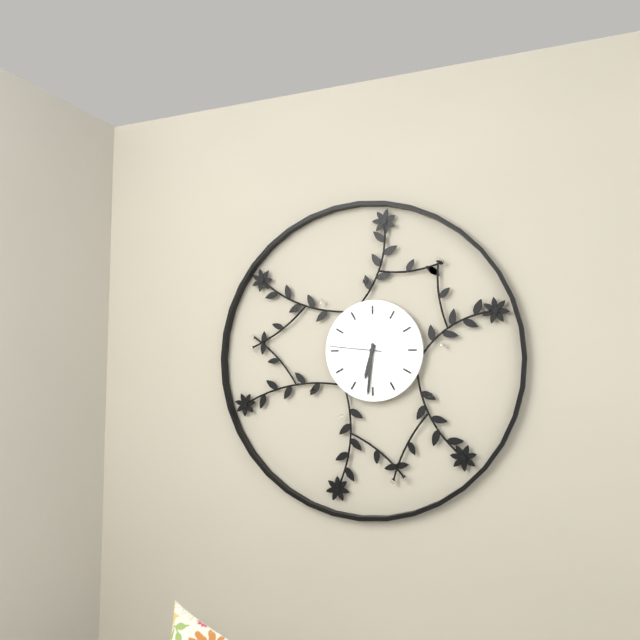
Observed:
6.31.46
